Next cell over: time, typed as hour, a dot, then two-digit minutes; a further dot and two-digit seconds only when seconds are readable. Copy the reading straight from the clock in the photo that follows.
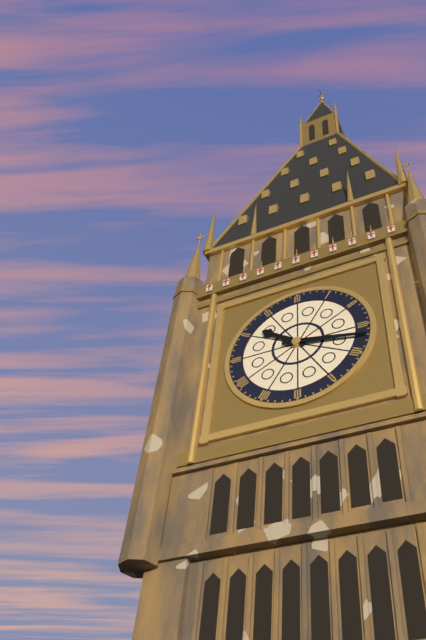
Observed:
10.17
